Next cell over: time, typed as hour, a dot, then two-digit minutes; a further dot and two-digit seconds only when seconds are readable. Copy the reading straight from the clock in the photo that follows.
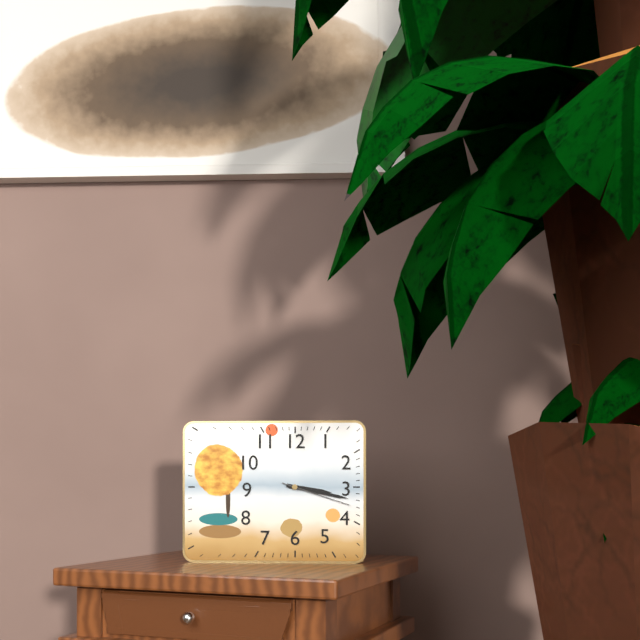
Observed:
3.17.18
